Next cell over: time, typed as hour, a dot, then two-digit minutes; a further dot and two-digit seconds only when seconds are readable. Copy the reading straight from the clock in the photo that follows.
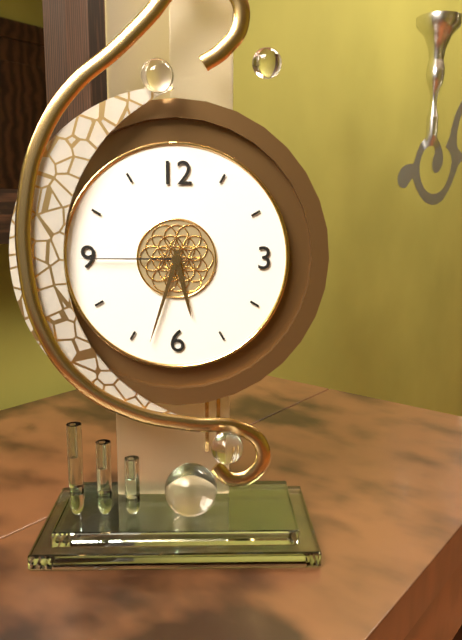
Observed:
5.33.45
